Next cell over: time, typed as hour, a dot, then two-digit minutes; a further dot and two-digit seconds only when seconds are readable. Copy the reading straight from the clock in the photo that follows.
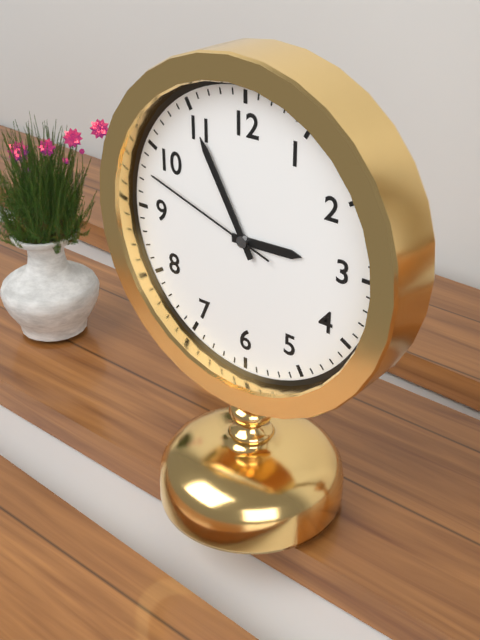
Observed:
2.55.48
